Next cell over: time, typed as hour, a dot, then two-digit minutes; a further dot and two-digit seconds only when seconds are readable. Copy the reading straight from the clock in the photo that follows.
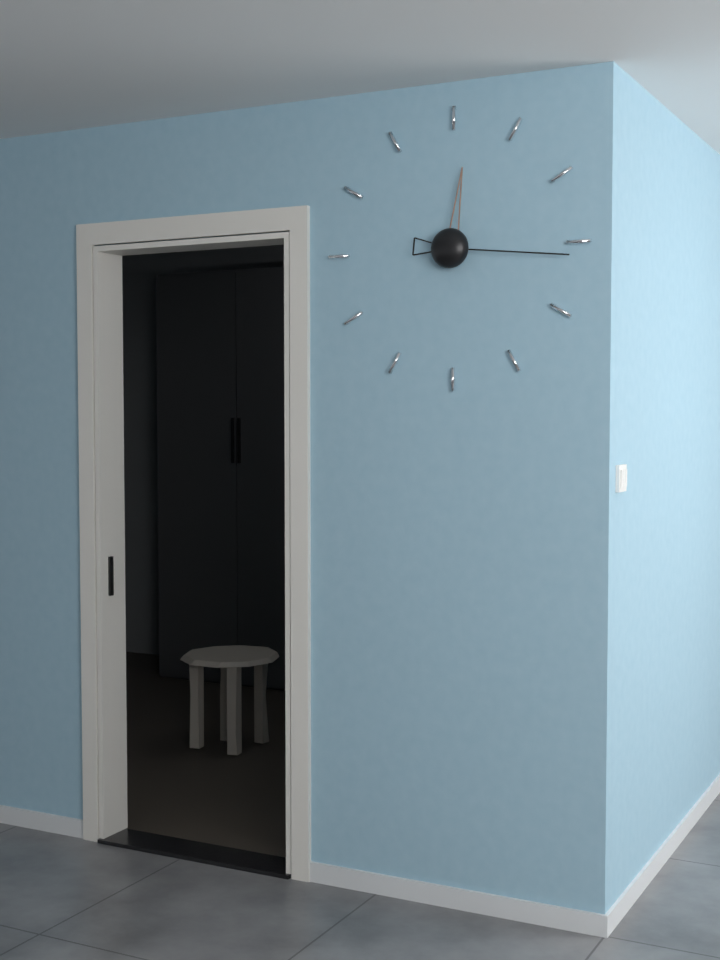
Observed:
12.16
